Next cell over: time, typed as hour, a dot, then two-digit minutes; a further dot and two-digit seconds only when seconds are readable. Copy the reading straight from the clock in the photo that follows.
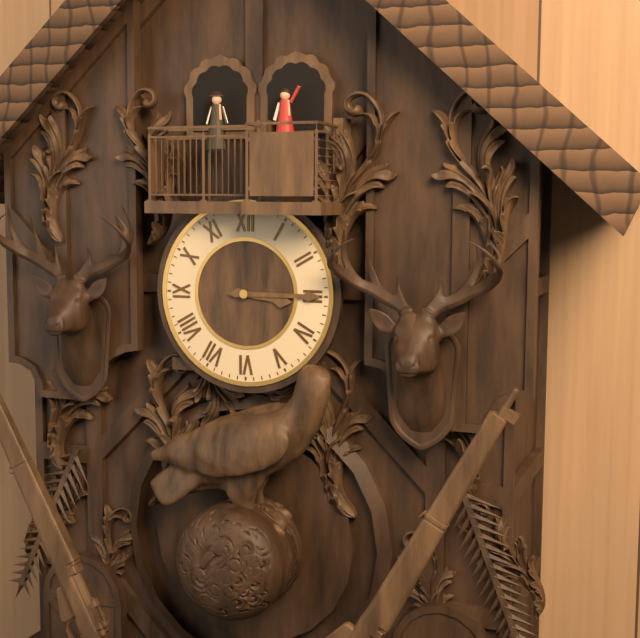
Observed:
3.15
